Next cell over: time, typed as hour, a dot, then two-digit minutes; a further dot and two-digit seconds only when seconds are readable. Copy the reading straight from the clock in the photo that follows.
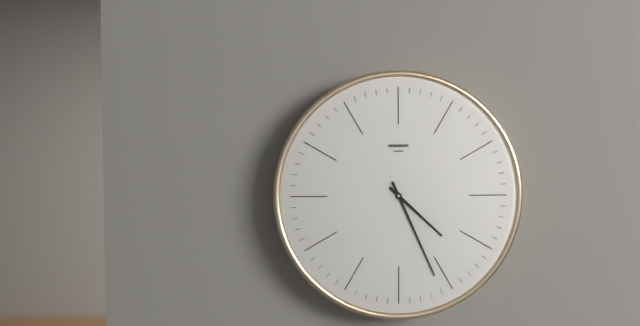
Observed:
4.26
